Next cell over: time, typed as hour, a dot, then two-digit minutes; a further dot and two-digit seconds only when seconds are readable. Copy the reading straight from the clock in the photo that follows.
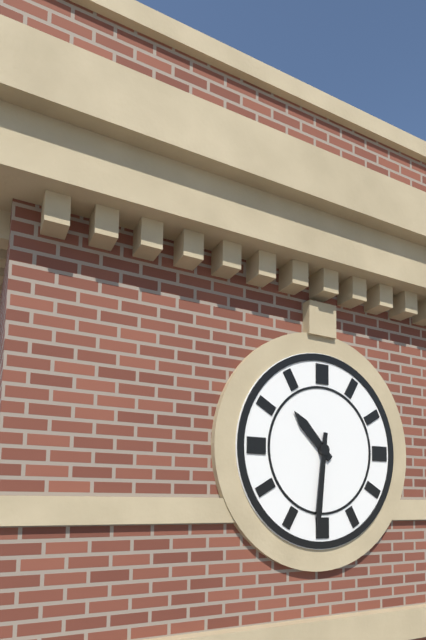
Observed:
10.31
